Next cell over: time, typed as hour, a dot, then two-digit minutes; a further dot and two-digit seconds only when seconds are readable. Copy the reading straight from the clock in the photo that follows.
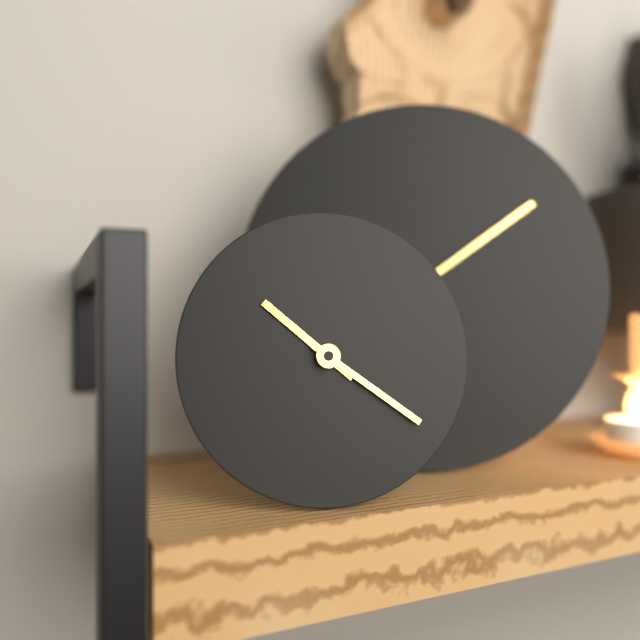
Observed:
10.21
